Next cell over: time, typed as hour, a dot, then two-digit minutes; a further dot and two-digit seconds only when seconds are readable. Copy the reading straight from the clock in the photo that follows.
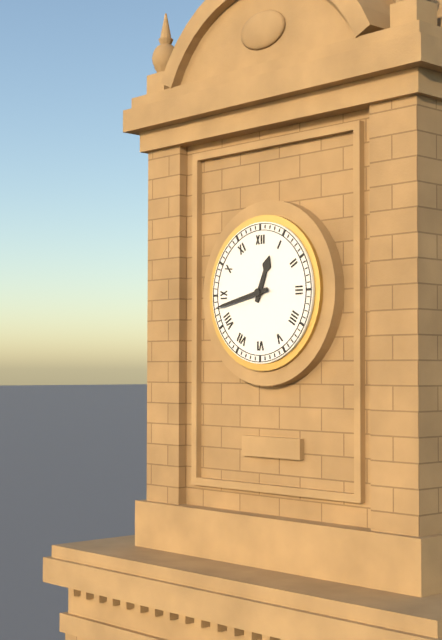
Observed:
12.43
